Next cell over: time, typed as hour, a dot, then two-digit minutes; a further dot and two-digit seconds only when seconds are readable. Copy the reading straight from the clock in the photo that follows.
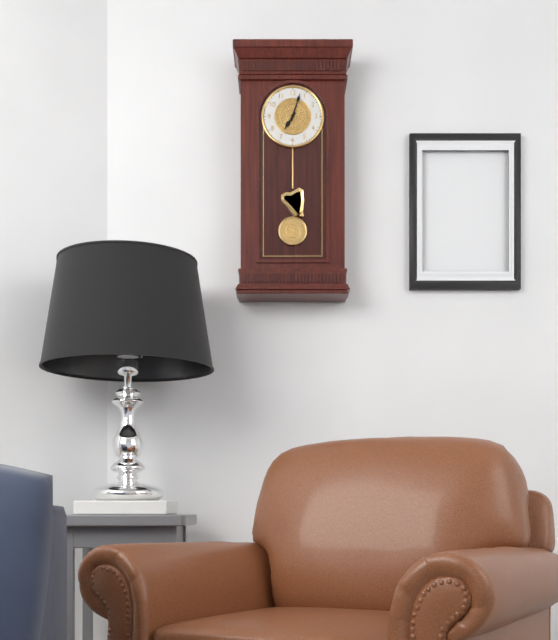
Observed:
7.03
